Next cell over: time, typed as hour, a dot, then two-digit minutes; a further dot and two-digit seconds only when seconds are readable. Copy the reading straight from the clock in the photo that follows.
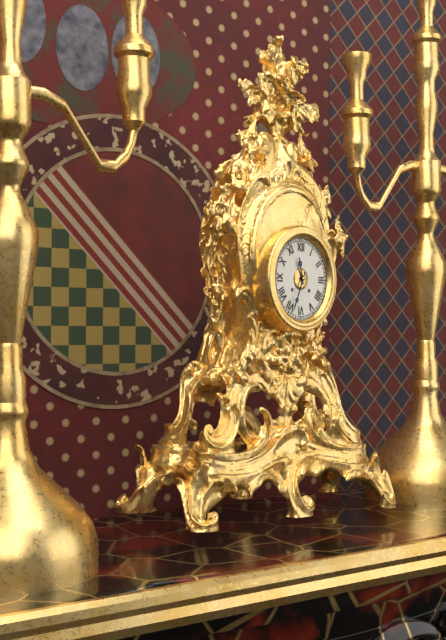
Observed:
11.34
